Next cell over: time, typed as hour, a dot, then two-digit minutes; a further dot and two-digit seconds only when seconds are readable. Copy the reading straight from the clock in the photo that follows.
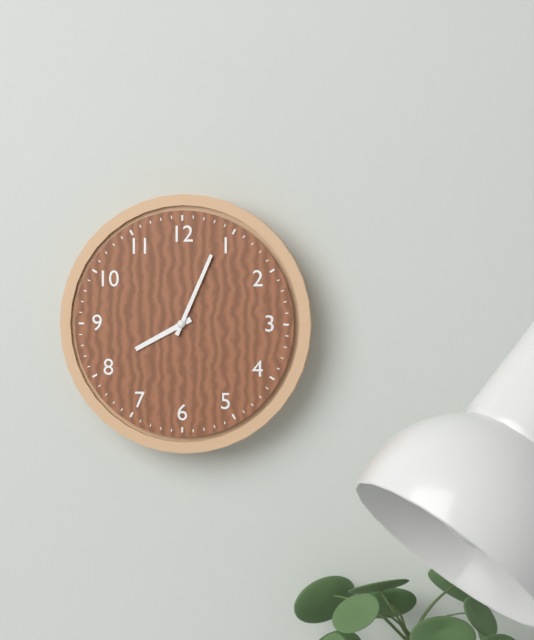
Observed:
8.04
